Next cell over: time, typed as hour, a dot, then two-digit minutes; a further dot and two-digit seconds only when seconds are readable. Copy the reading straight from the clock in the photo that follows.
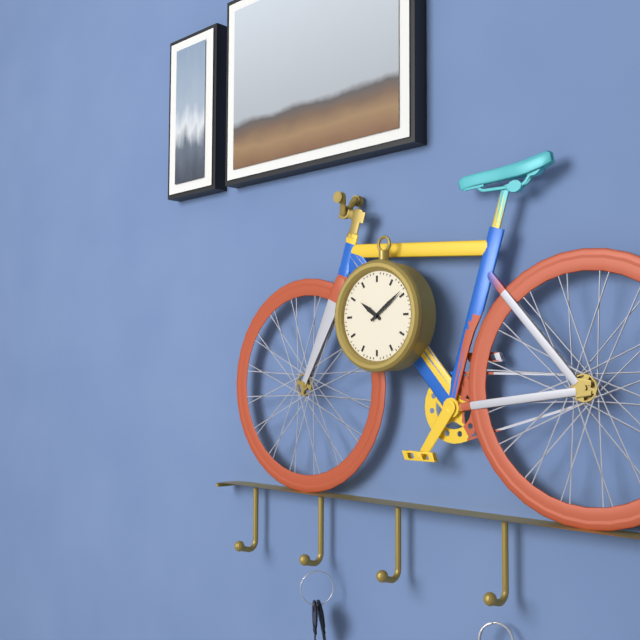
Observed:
10.09
